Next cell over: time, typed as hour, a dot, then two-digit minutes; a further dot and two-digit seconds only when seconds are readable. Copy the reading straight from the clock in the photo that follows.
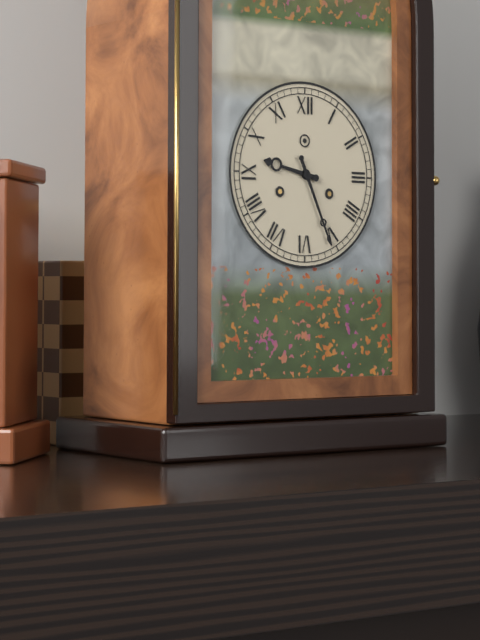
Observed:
9.26
